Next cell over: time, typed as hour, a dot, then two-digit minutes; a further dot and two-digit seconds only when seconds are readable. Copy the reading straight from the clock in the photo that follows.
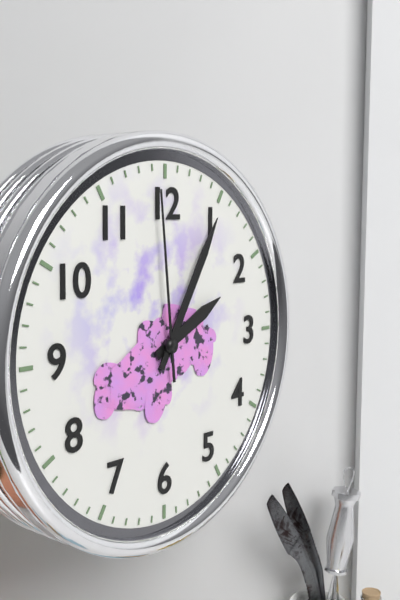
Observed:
2.05.59
